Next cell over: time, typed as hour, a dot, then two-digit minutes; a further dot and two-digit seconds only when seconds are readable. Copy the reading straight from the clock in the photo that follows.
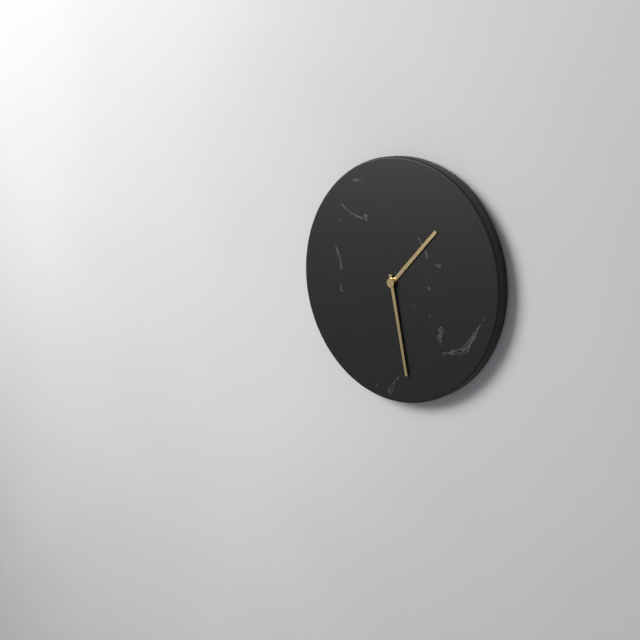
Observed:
1.28
